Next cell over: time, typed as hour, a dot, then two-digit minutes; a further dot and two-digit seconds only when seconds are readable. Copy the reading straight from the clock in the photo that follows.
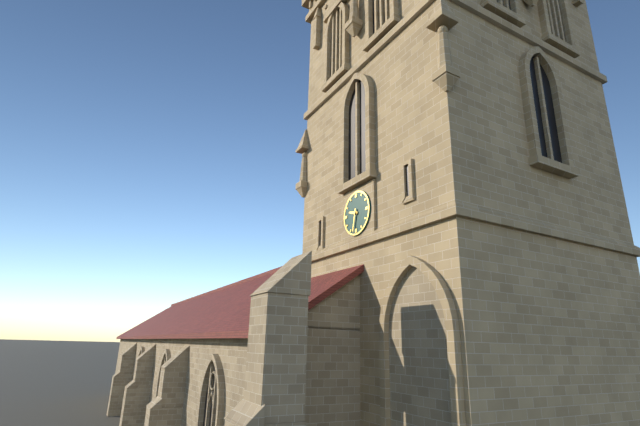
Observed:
9.32
